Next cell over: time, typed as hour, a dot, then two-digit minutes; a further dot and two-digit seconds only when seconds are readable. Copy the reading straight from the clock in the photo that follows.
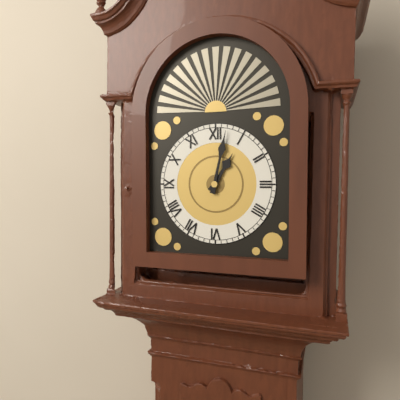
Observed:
1.02
